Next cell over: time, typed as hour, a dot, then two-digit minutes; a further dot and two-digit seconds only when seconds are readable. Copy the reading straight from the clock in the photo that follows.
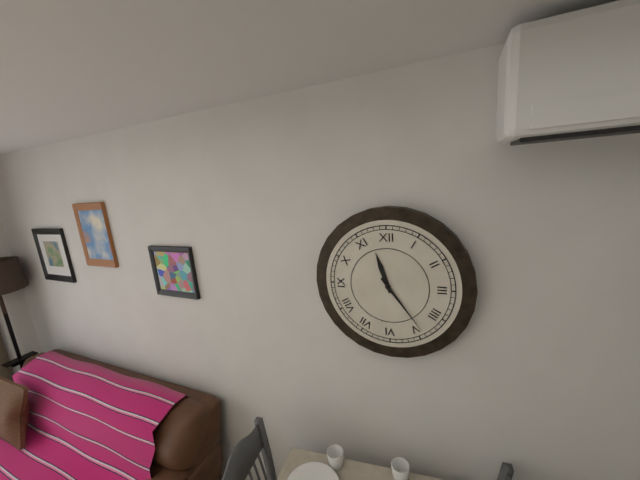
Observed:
11.24
